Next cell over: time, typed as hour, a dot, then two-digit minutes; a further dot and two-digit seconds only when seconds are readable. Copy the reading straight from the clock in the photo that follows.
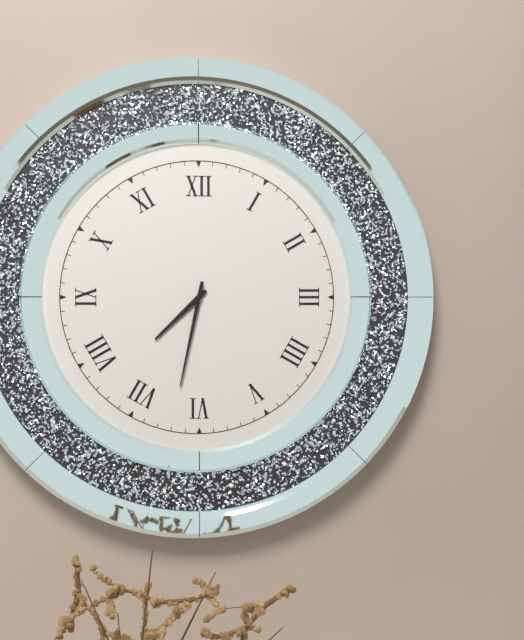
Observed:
7.32
